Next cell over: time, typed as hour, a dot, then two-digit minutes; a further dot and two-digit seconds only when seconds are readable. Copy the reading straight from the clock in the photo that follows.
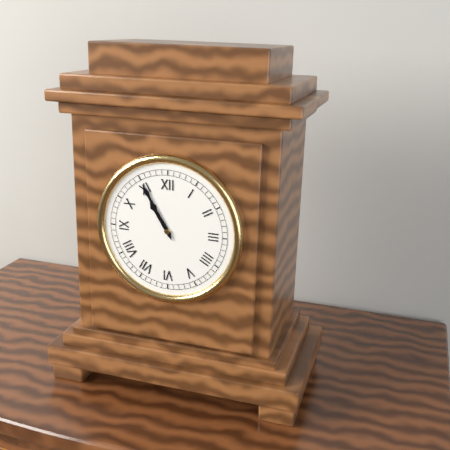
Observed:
10.55
